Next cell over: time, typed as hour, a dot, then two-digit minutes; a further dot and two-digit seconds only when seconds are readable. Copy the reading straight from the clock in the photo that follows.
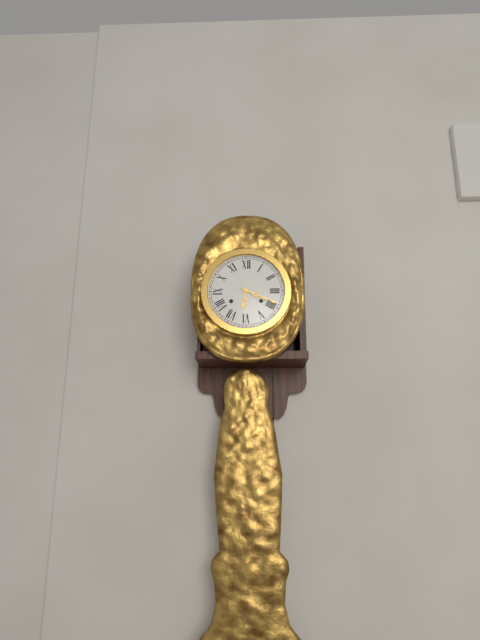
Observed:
6.19
